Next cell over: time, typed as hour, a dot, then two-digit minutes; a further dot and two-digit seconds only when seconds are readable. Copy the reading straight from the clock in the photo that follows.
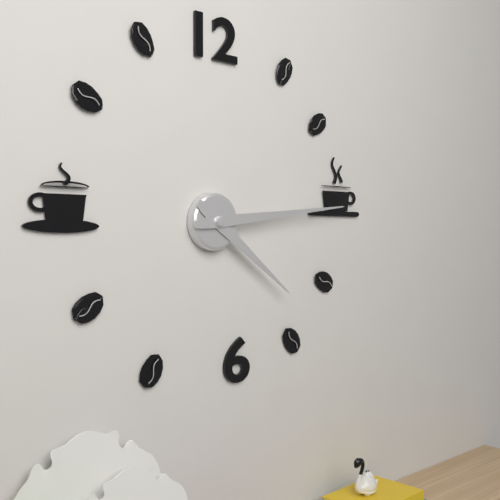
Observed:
4.14
